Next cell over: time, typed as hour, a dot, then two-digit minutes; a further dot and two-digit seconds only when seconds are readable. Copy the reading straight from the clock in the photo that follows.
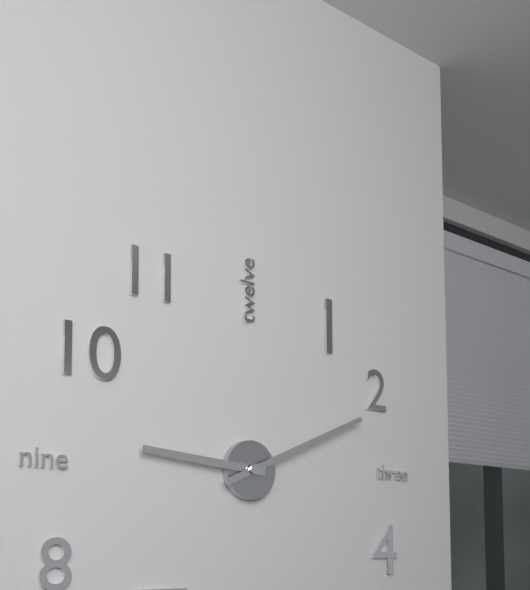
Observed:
9.11
